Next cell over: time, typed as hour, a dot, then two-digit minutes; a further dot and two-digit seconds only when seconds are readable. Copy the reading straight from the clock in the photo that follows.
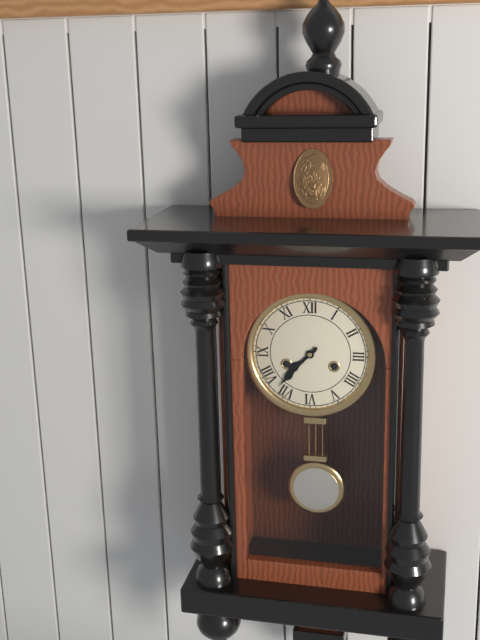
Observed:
7.37
